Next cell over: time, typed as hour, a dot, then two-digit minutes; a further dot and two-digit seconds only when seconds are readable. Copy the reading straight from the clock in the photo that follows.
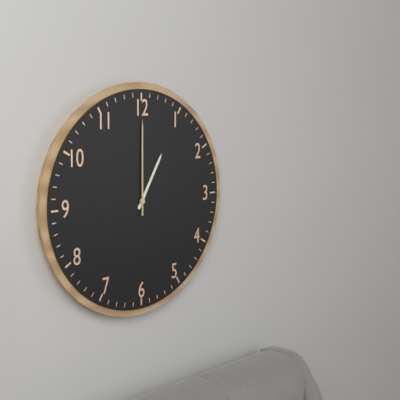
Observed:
1.00
